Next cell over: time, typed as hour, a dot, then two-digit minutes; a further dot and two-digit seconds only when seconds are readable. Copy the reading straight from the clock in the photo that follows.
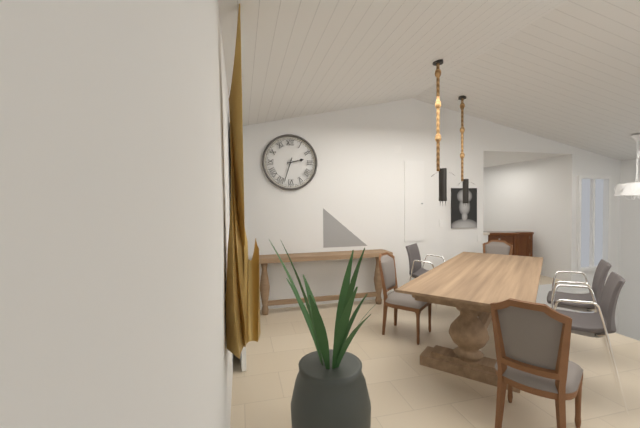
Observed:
2.33
